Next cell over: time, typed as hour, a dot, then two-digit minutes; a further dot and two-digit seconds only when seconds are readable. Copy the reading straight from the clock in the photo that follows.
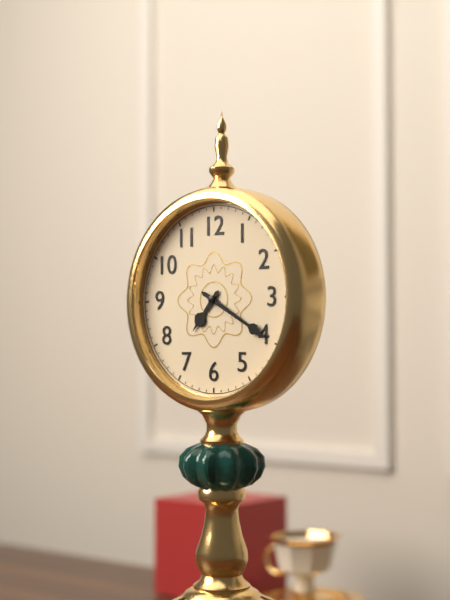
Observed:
7.20
